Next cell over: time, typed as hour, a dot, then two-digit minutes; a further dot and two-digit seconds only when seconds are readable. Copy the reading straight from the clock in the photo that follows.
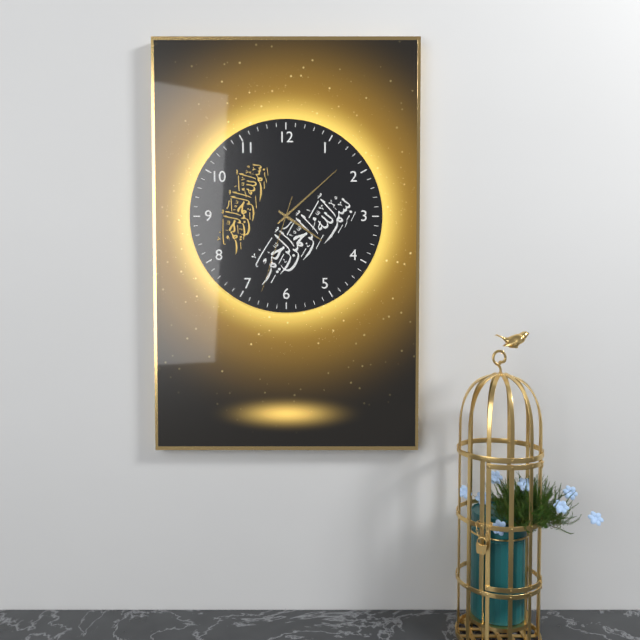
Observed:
4.08.33
